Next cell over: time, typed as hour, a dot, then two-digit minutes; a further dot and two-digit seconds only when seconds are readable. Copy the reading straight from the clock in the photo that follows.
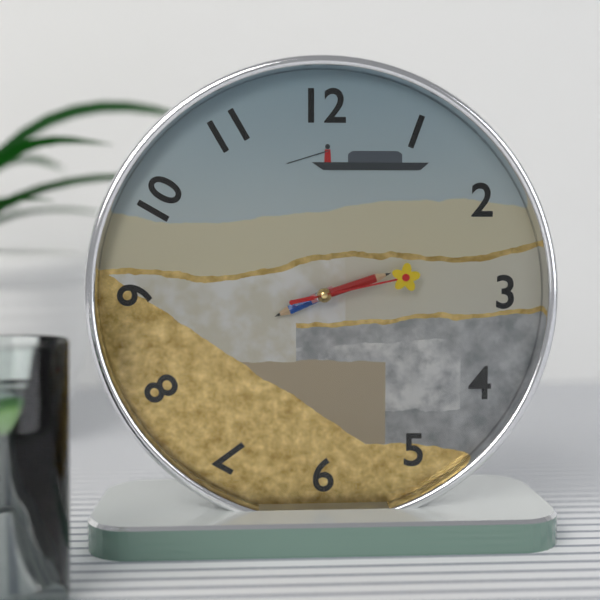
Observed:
8.12.13
